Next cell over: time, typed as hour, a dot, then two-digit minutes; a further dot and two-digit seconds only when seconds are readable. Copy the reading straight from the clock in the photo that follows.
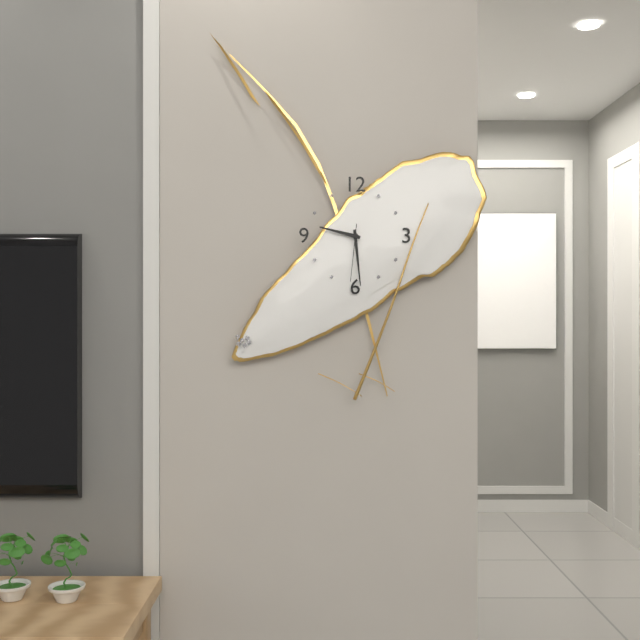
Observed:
9.29.31
